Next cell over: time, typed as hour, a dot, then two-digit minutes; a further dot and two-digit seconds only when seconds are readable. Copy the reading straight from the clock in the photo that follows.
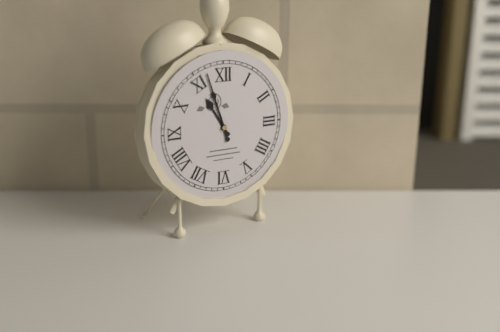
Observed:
10.57
